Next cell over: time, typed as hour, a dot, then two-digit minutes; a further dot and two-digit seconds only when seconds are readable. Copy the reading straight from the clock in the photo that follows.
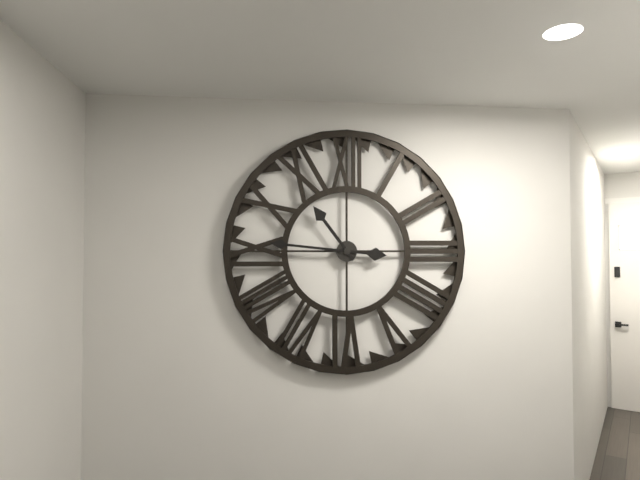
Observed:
10.46
